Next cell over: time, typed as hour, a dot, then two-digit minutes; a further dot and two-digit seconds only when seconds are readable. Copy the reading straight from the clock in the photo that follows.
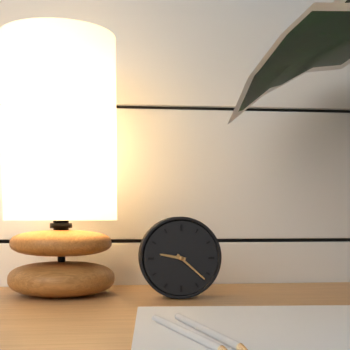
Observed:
9.22
